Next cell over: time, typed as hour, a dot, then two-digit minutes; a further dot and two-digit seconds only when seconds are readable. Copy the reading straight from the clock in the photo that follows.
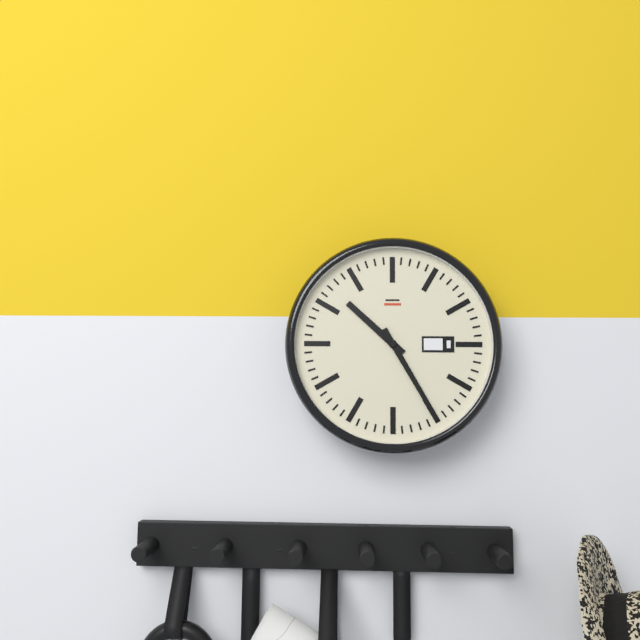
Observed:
10.25
